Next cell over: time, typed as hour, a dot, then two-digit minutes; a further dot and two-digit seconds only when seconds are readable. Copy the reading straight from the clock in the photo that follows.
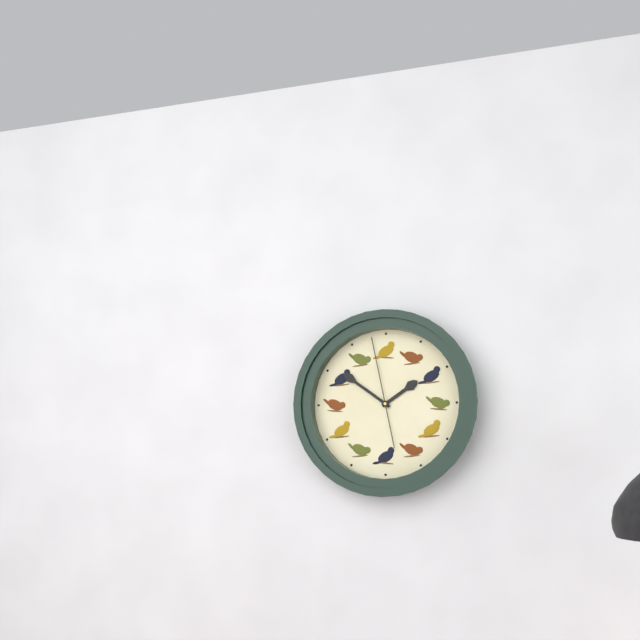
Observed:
1.51.58
